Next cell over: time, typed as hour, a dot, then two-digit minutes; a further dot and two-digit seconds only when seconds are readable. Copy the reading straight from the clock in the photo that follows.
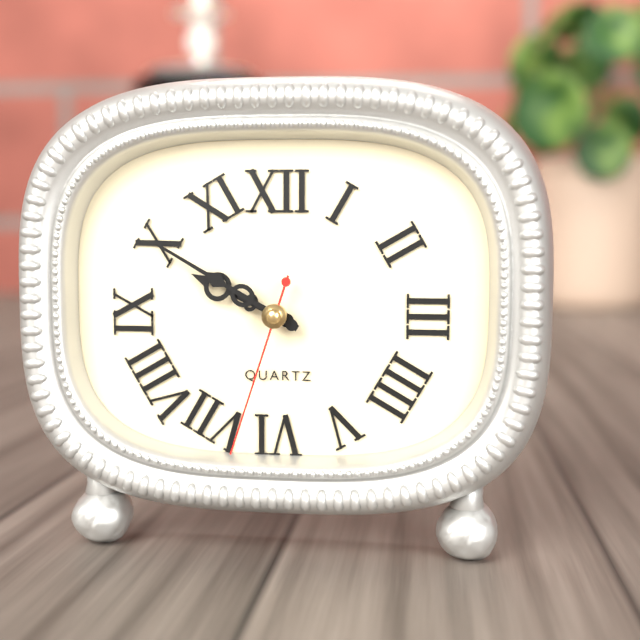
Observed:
9.50.33
